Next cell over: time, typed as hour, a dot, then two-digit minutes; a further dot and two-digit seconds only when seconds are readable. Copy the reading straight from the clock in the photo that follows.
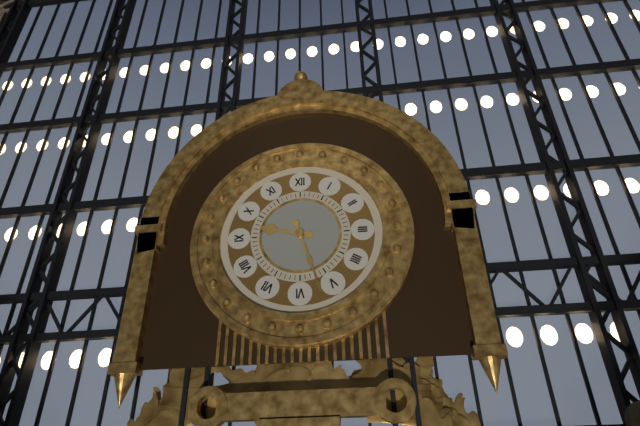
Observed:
9.27
